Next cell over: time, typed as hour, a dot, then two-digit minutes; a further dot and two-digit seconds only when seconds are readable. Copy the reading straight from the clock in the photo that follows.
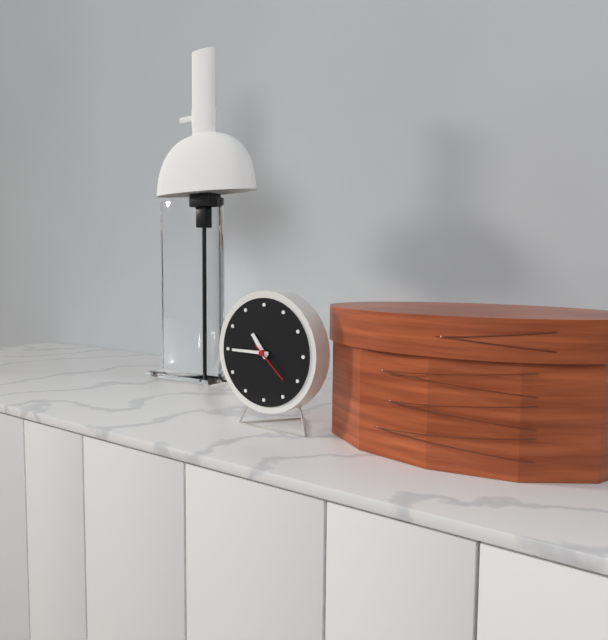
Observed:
10.45
